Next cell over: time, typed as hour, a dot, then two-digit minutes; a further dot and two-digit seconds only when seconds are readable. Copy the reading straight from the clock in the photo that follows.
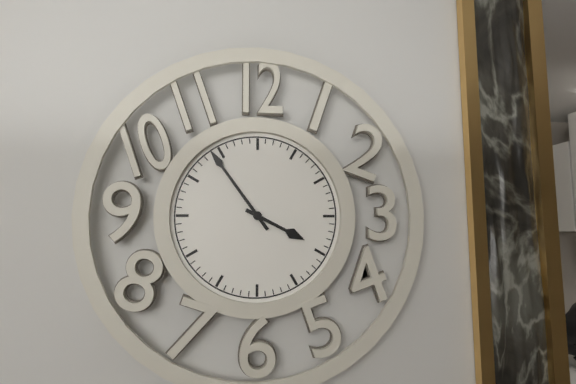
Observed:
3.54
